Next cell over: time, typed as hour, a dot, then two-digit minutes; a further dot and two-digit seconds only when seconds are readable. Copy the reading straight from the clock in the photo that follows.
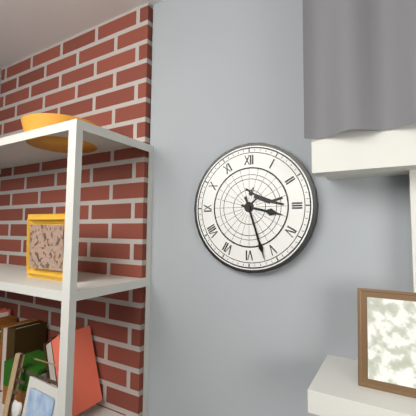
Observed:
3.27
